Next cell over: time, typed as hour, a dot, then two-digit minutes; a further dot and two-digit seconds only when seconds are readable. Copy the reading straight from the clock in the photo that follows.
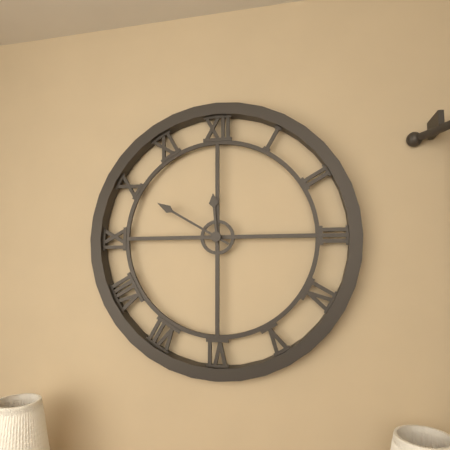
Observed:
11.50
